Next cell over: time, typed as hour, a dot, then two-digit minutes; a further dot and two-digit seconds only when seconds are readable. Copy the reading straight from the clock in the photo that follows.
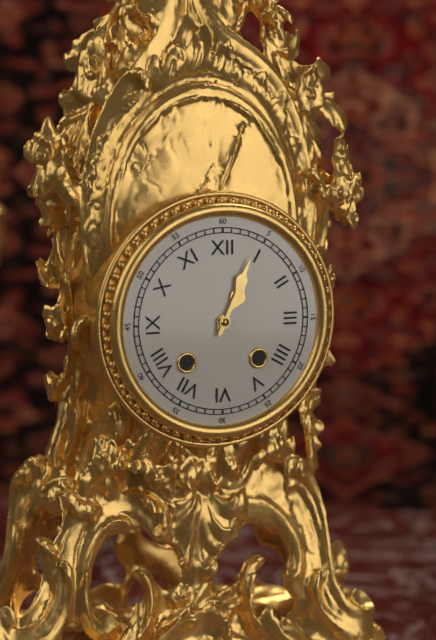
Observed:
1.04
